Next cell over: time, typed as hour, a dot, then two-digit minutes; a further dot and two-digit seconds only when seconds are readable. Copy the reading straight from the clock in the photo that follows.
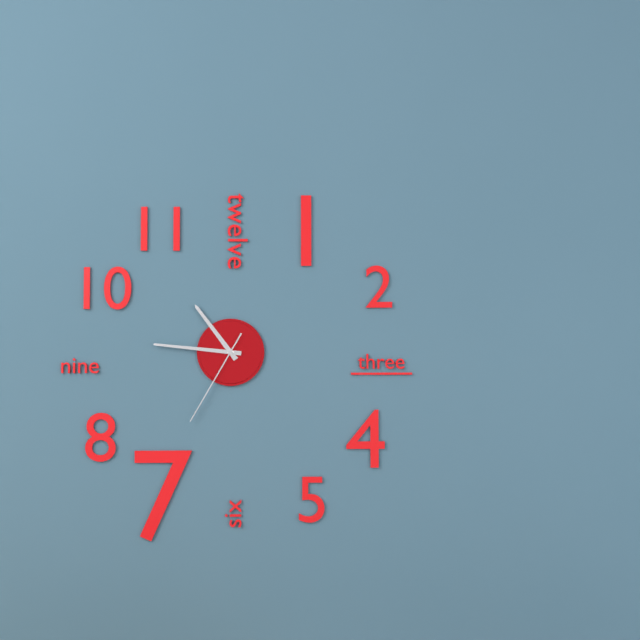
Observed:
10.46.35
